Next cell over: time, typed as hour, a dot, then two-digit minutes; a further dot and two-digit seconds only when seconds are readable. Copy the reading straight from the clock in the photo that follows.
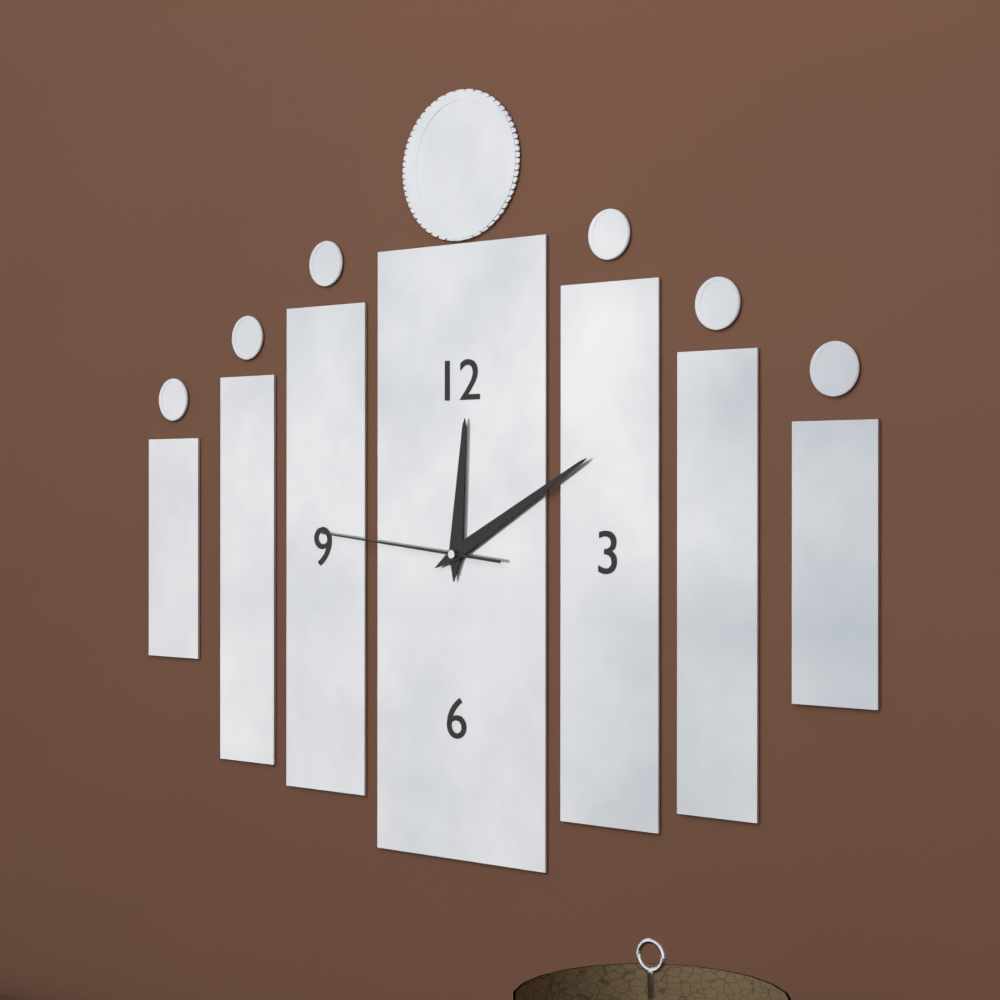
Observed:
12.10.46
